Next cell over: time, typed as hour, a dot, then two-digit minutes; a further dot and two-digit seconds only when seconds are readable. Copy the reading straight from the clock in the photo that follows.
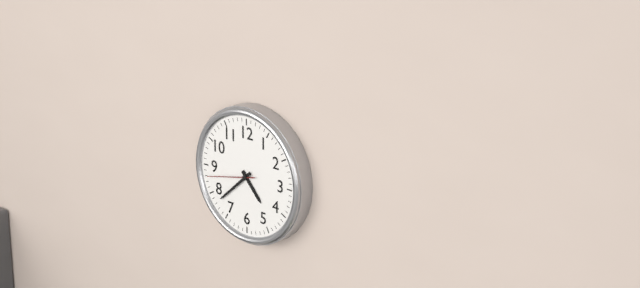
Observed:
4.38.43
